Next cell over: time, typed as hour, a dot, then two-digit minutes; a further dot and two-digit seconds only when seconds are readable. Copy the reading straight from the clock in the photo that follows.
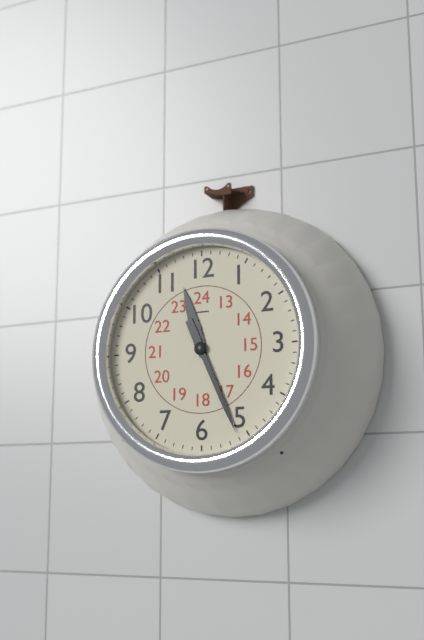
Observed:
11.26
